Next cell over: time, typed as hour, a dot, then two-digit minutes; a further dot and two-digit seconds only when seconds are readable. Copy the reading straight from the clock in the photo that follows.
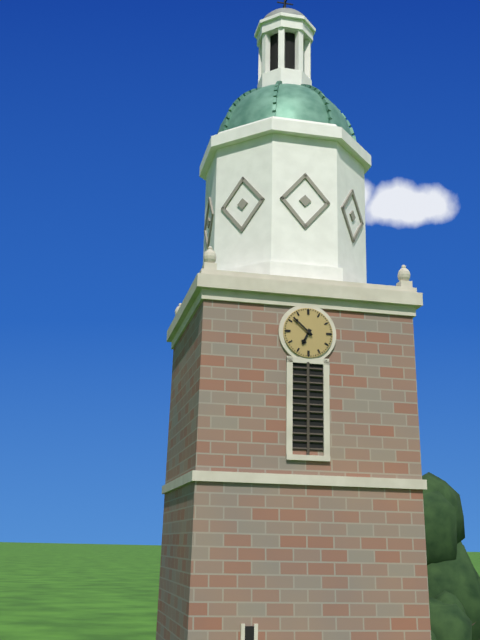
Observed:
6.52
